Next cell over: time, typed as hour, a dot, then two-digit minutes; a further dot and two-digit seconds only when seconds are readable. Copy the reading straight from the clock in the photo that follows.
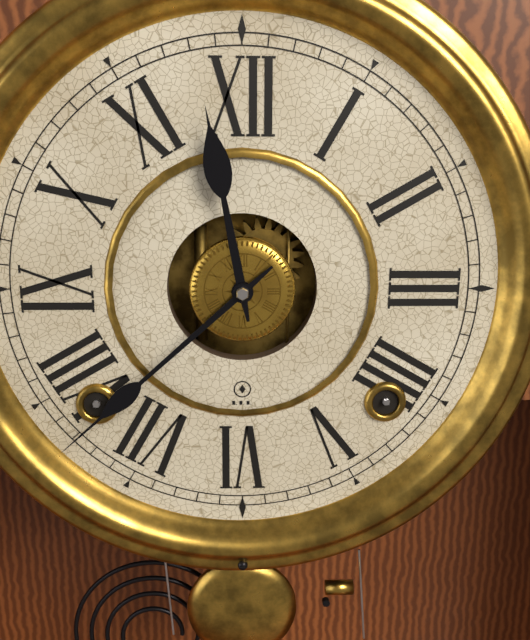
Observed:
11.38
